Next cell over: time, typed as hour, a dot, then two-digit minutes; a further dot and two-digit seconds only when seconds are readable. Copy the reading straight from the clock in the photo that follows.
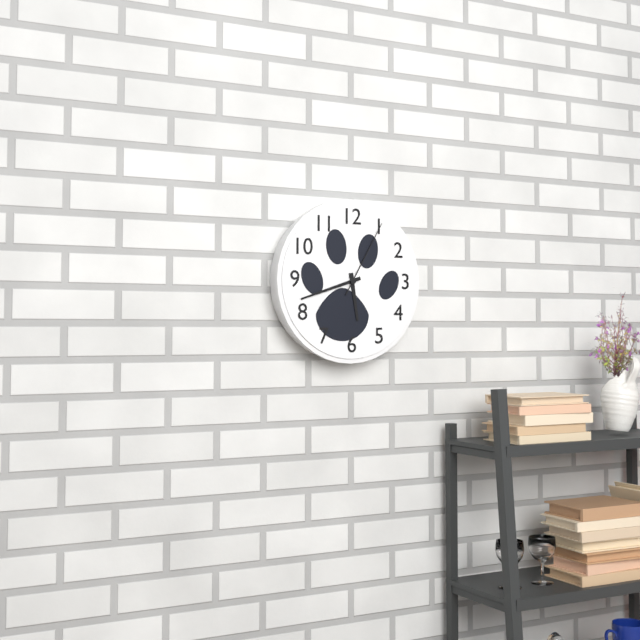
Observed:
5.42.05
